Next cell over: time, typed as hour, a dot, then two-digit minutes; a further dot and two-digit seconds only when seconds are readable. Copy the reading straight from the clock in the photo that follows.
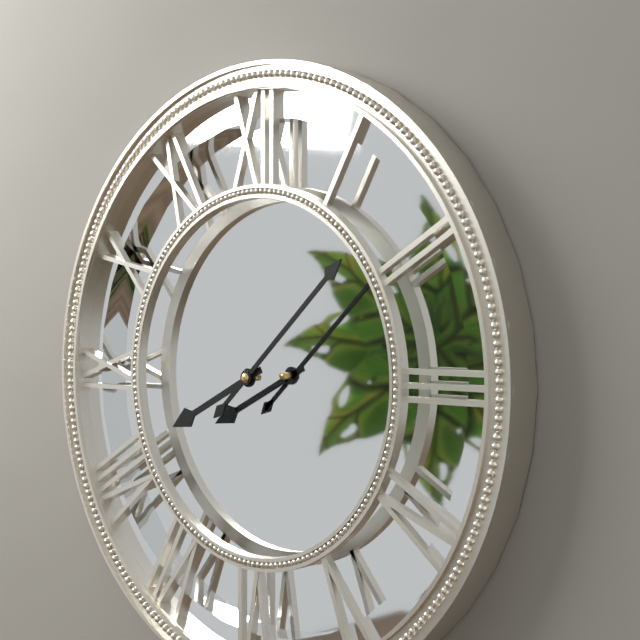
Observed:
8.08
